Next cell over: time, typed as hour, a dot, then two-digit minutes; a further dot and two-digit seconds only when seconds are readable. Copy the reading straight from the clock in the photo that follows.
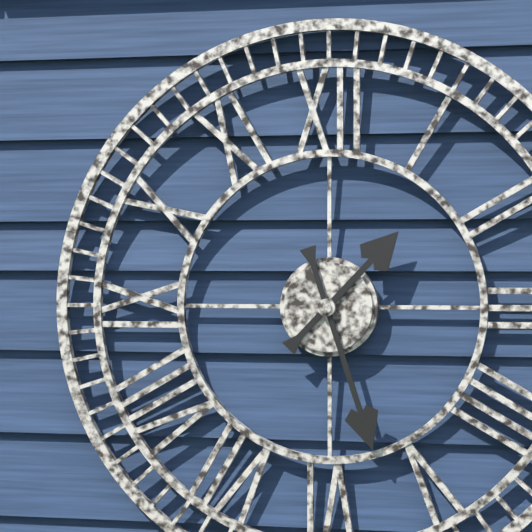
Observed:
1.27
